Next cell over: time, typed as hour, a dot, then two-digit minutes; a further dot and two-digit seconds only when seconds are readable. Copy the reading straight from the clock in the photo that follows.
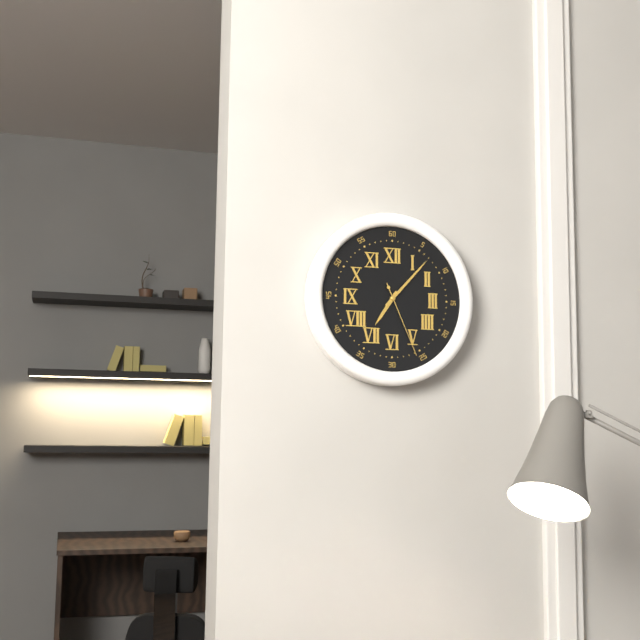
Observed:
7.07.26
